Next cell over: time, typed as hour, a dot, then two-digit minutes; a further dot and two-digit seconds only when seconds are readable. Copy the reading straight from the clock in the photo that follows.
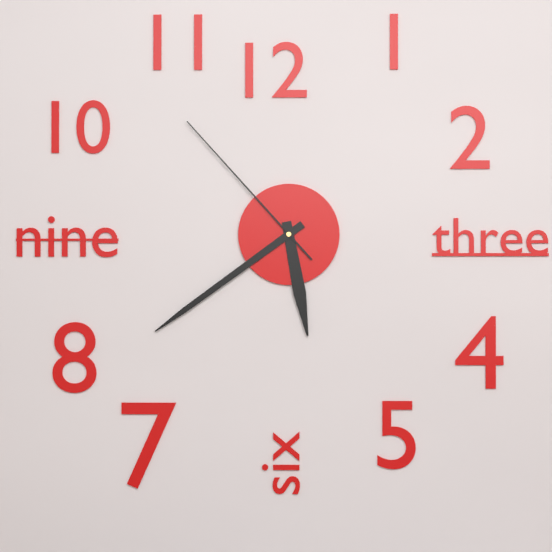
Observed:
5.39.53
